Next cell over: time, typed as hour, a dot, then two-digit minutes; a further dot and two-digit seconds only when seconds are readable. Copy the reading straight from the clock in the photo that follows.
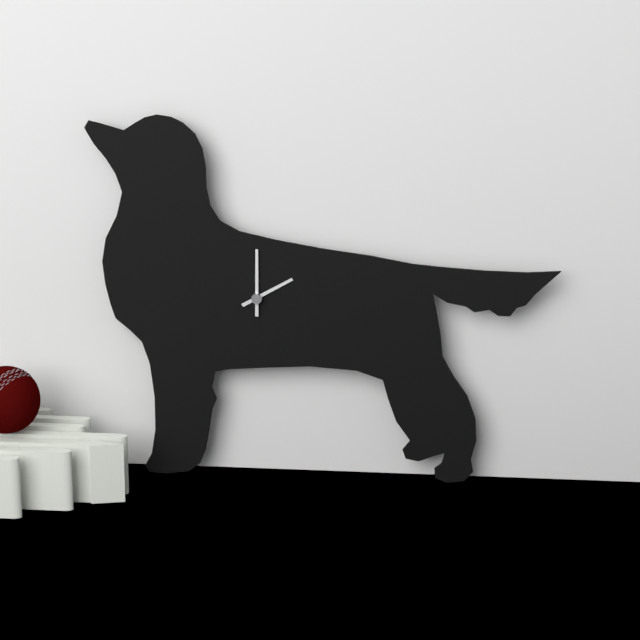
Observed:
2.00
